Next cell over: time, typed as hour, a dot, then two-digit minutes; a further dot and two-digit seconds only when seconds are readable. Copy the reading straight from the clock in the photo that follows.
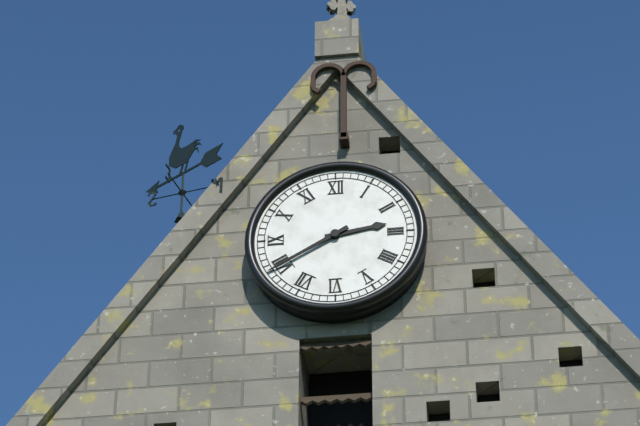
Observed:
2.40
